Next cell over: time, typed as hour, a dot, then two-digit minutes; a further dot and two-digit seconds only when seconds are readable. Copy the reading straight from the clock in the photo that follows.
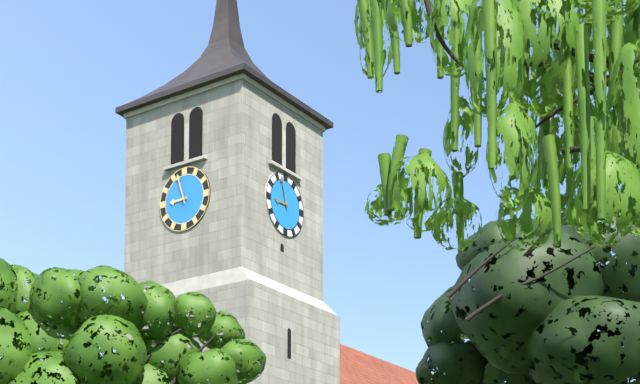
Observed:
8.57
